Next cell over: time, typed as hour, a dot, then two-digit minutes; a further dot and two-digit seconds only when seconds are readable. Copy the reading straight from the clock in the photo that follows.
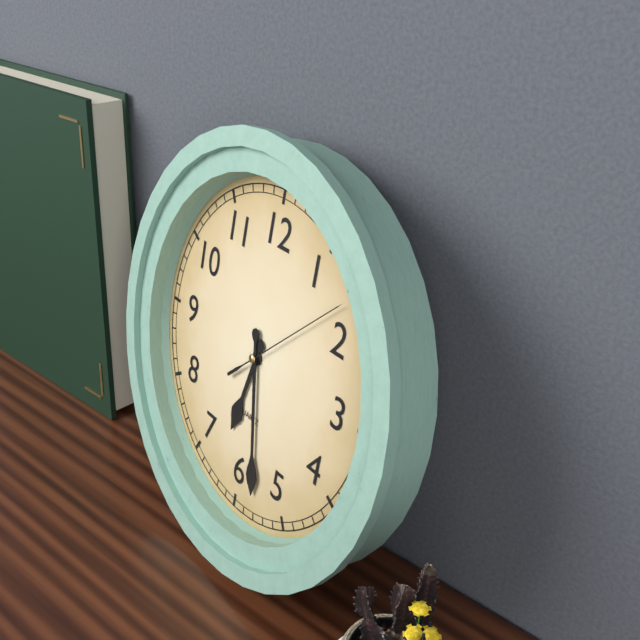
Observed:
6.28.08
